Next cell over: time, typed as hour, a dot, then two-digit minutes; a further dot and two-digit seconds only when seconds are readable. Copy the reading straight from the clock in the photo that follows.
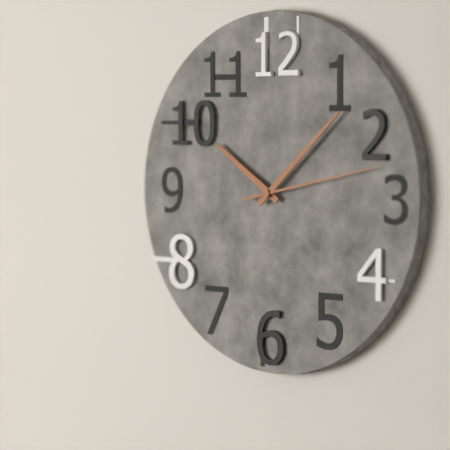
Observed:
10.08.13
